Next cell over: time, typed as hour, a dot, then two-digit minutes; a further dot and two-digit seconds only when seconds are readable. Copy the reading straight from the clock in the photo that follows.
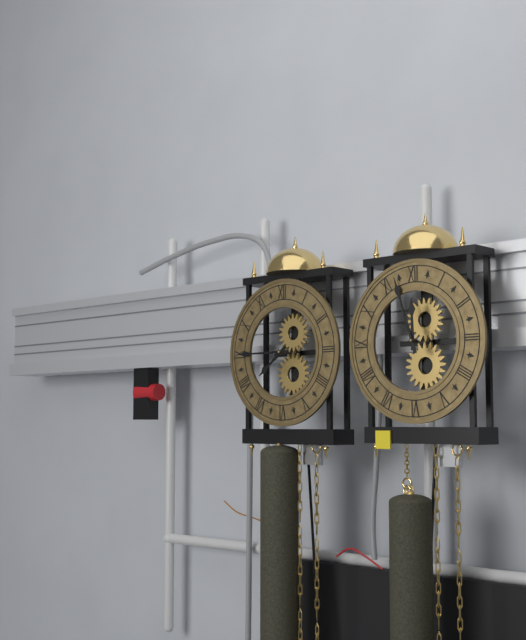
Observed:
7.45
